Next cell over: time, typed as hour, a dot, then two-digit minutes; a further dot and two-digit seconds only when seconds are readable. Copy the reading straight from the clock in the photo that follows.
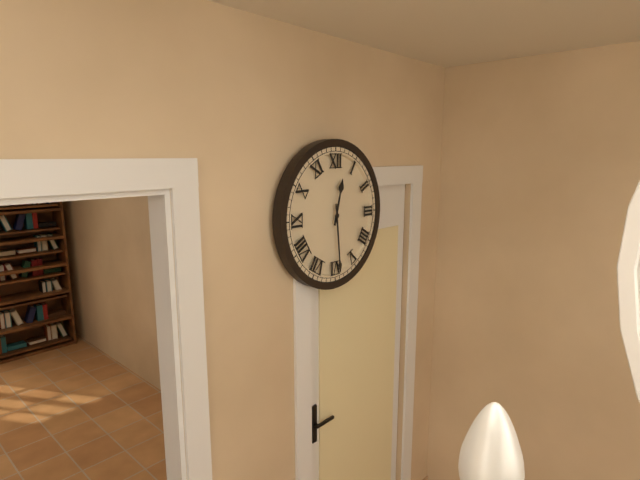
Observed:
12.29
